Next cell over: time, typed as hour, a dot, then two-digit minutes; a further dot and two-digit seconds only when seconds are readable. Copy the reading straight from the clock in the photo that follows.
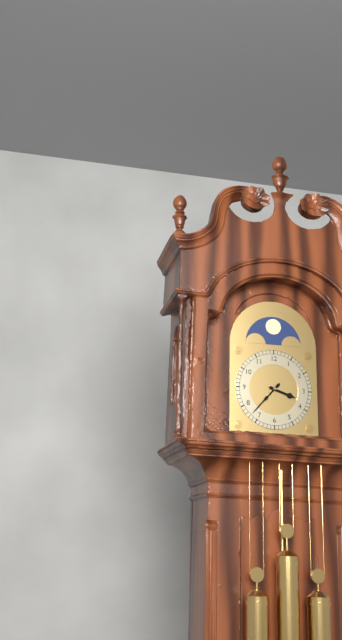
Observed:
3.37
